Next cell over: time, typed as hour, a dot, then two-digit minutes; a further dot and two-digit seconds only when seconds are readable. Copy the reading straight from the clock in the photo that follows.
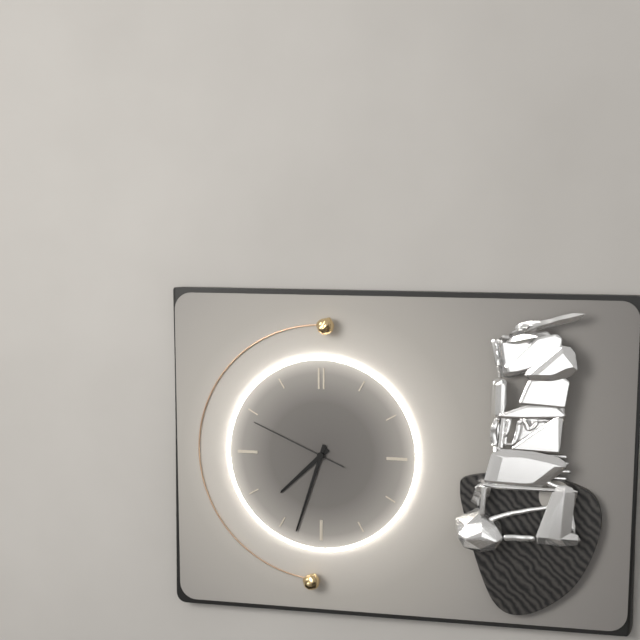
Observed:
7.33.49
